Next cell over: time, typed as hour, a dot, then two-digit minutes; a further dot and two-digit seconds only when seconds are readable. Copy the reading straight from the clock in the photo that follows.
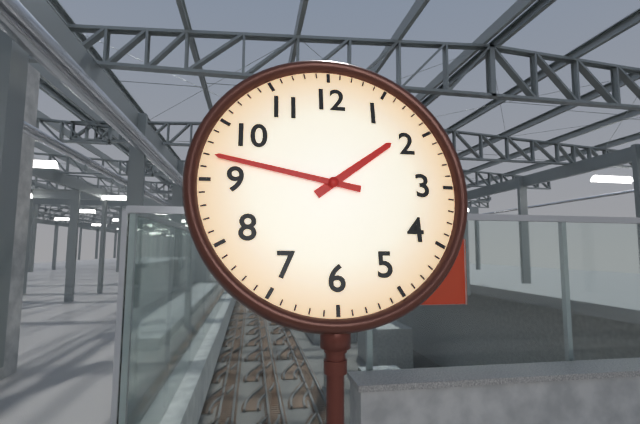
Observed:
1.47
